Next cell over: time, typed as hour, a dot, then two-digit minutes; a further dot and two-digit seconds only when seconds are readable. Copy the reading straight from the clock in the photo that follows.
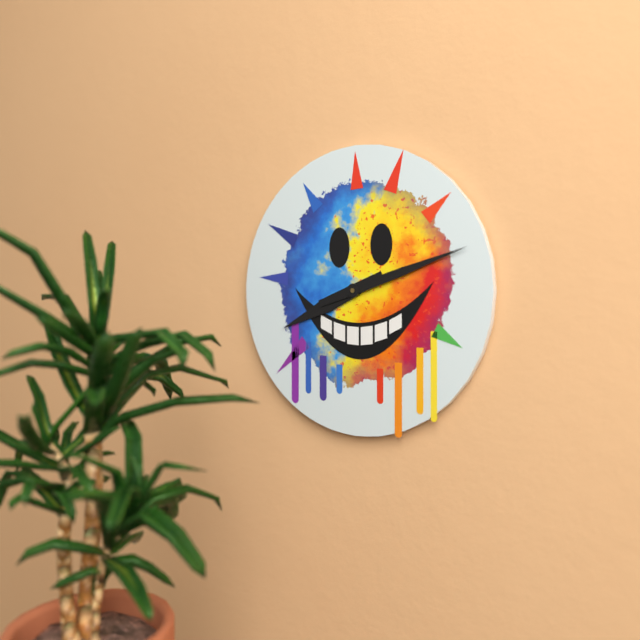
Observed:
8.12
